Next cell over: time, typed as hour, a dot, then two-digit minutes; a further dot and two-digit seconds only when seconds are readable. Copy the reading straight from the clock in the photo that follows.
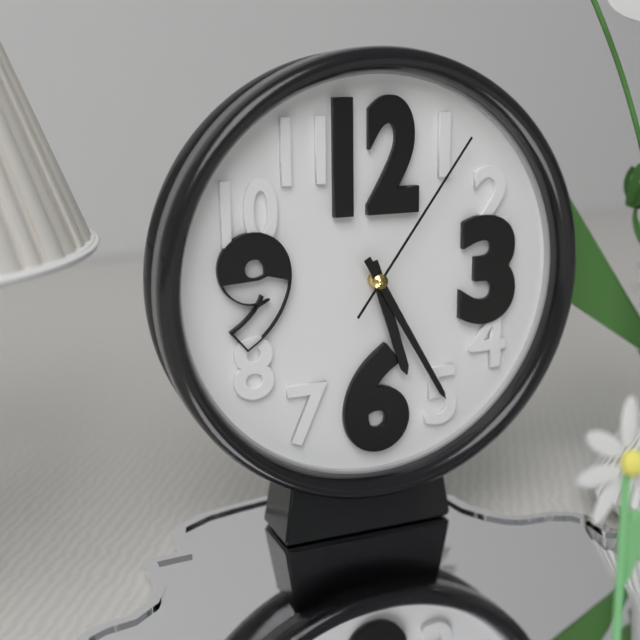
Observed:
5.25.06
